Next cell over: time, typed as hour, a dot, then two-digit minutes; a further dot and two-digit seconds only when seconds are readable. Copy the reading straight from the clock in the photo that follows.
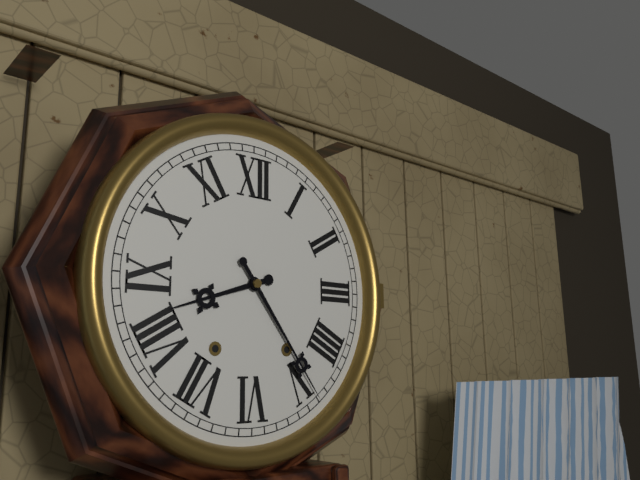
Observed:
8.24
